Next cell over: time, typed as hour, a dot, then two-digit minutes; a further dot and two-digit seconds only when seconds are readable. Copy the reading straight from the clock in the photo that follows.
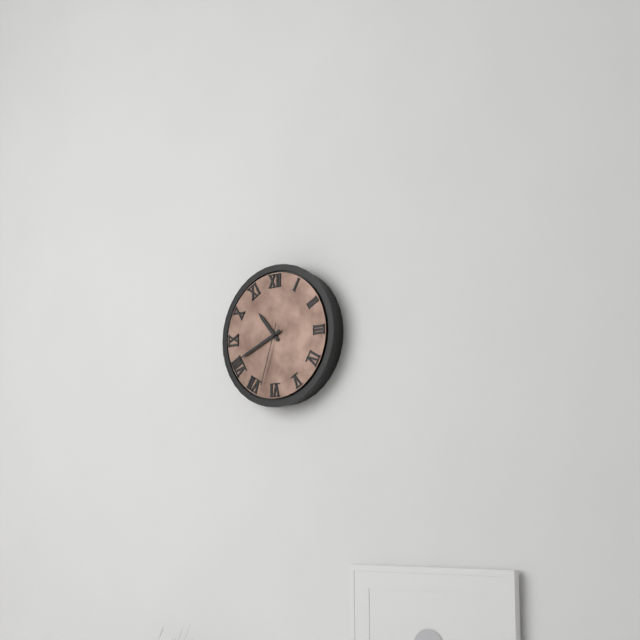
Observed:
10.41.33
